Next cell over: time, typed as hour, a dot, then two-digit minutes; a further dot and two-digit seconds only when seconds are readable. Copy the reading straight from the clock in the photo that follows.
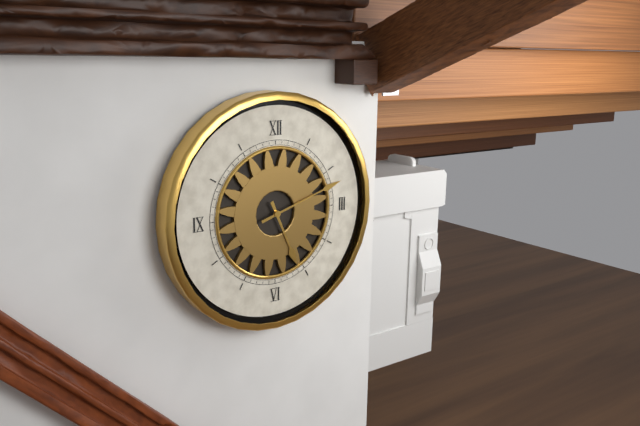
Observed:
5.12
